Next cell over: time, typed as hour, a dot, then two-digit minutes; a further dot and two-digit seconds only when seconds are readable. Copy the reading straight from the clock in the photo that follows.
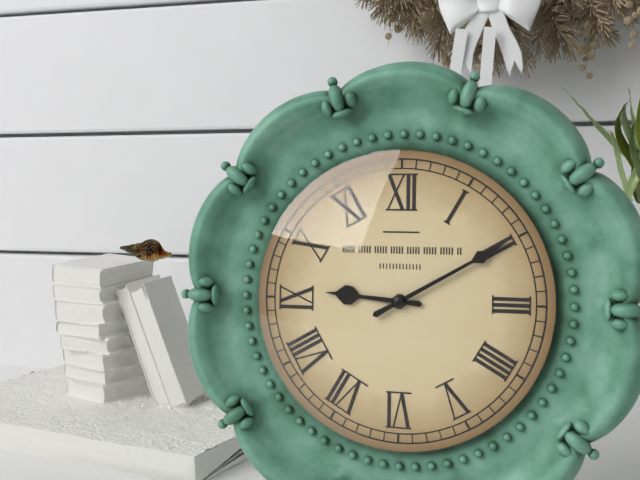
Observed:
9.10
